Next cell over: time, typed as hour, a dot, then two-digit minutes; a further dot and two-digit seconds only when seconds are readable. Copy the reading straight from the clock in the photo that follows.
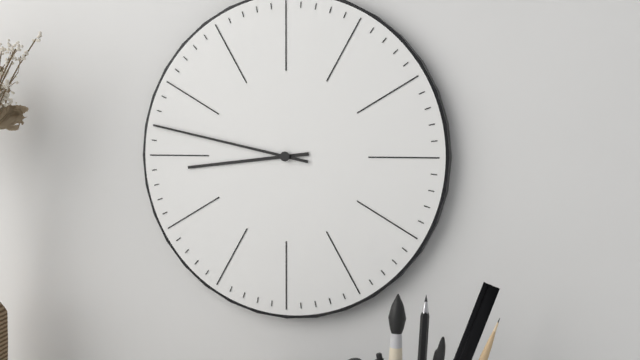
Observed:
8.47
